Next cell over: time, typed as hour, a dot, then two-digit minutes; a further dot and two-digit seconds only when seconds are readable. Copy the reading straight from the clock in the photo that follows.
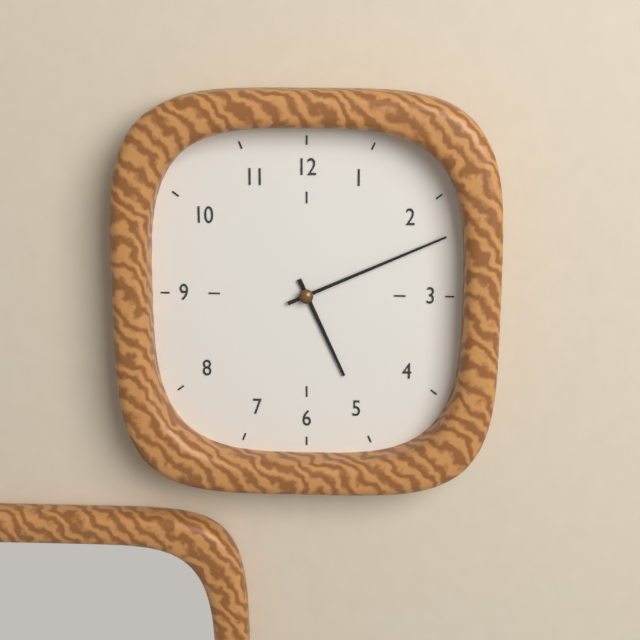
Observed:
5.11
